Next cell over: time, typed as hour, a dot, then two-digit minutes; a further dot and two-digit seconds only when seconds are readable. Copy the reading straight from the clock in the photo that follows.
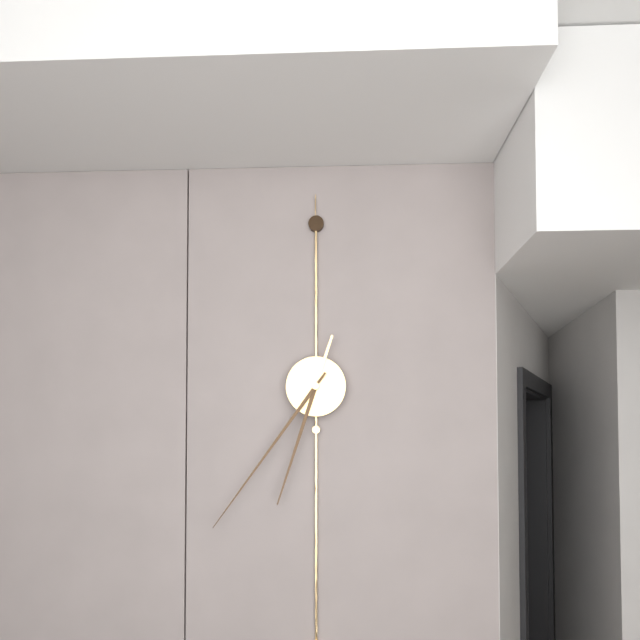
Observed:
6.36
